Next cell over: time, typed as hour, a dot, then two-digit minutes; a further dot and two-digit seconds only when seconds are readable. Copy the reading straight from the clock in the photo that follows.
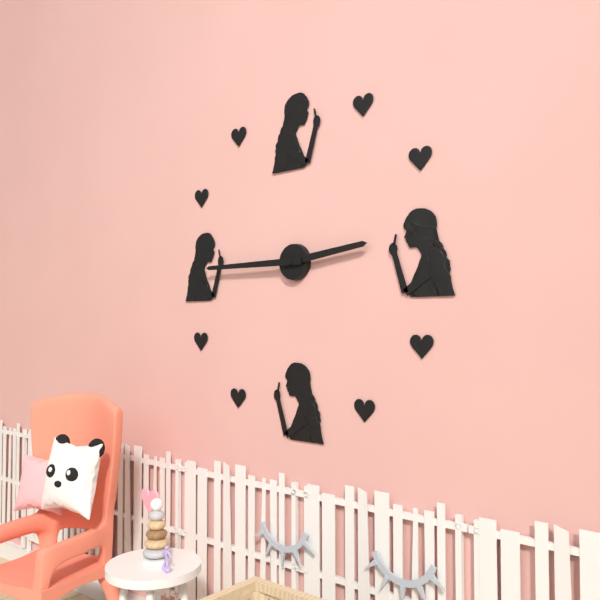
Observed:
2.45
